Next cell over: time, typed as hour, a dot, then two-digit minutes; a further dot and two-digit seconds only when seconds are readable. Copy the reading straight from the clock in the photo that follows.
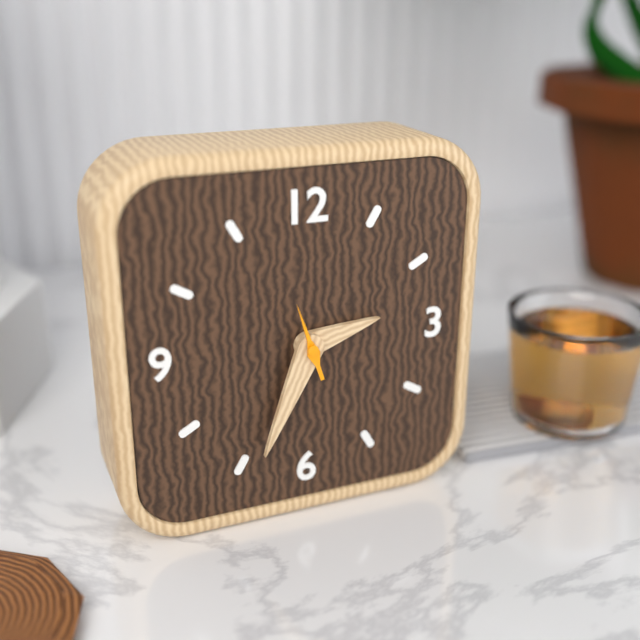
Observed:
2.34.57
